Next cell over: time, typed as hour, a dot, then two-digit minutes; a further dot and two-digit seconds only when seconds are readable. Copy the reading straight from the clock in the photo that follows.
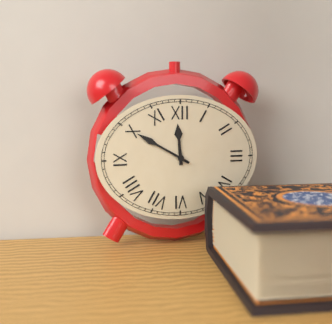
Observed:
11.50
